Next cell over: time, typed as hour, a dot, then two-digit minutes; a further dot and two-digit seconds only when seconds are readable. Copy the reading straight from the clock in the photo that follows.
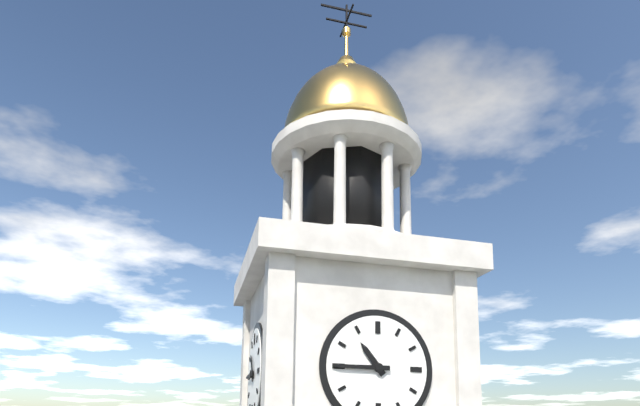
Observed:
10.45
